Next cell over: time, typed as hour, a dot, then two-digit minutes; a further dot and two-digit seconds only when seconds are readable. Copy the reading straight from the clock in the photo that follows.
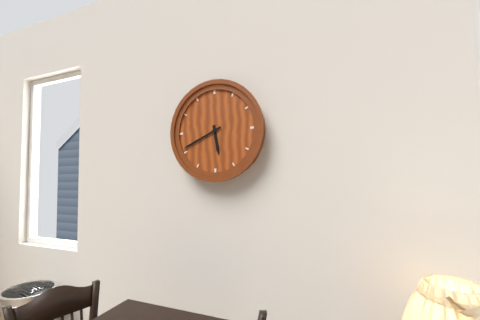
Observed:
5.41
